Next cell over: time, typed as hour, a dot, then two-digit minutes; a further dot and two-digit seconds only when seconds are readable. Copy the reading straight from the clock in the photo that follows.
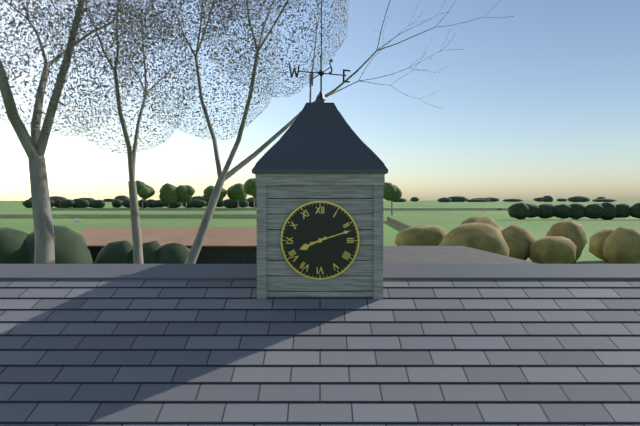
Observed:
8.12
